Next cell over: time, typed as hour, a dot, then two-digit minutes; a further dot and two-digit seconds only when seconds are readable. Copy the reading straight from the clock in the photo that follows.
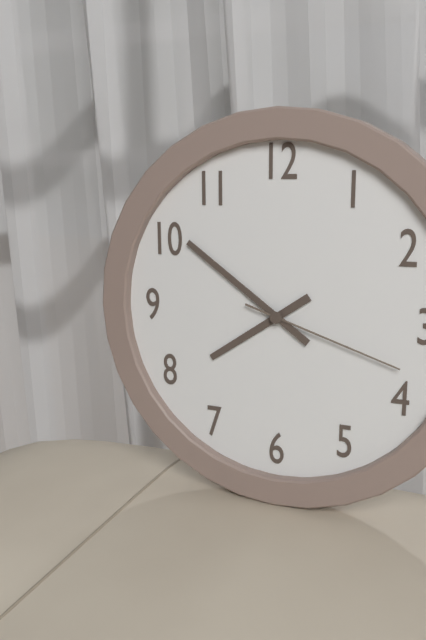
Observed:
7.51.18
